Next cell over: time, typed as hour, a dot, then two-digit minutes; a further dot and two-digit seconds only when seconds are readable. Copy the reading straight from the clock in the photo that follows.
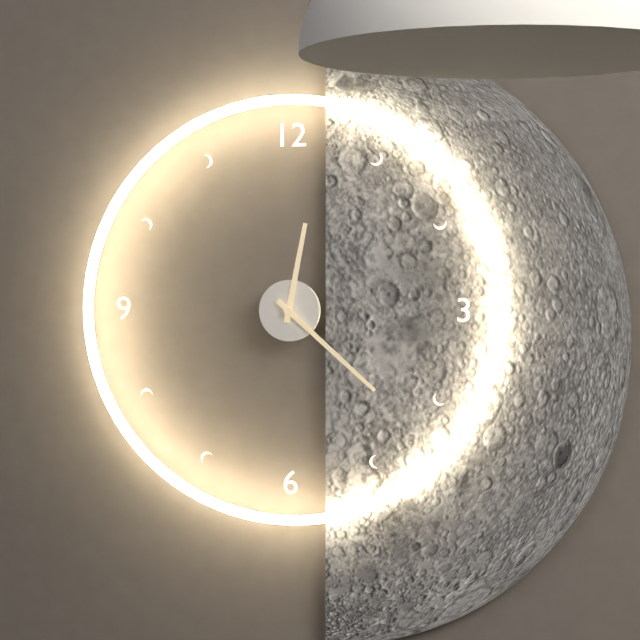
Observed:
12.22
